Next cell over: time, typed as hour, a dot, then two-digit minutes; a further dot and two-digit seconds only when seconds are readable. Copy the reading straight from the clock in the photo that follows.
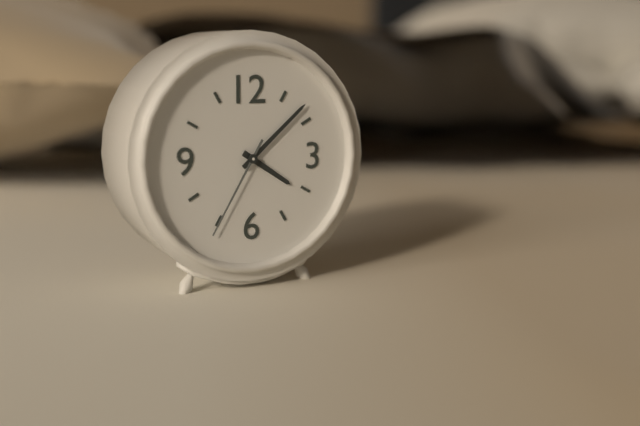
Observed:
4.08.35
